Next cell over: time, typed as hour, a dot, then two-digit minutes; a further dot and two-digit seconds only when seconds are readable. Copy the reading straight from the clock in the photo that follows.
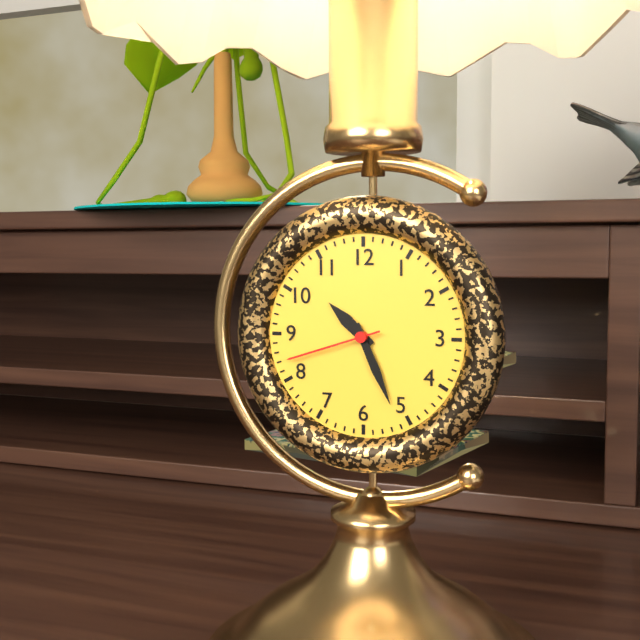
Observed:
10.26.42
